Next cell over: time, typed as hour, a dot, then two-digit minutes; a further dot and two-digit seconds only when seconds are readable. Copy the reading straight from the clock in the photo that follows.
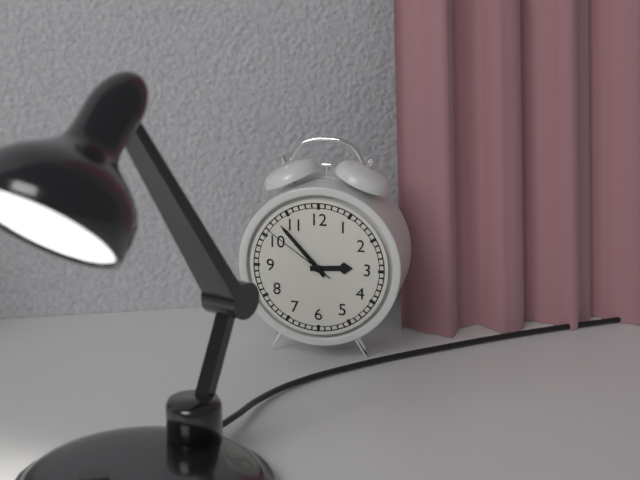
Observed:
2.53.51
